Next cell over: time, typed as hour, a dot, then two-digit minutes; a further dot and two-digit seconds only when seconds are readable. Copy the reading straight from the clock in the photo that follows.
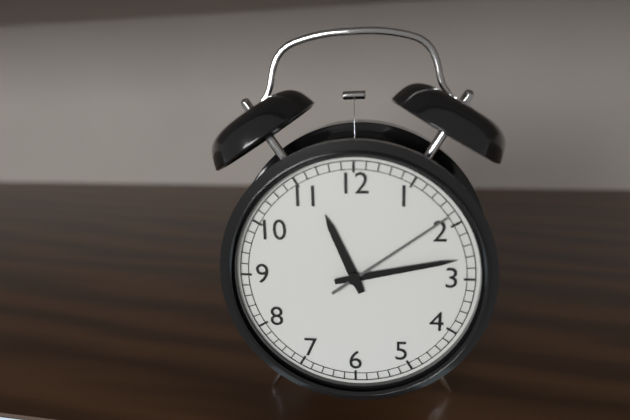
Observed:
11.13.09
